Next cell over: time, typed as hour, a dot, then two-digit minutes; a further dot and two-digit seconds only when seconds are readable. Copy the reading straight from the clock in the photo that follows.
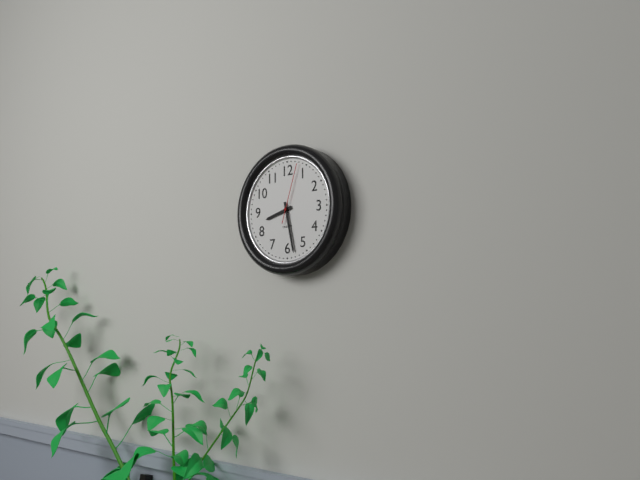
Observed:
8.28.03
